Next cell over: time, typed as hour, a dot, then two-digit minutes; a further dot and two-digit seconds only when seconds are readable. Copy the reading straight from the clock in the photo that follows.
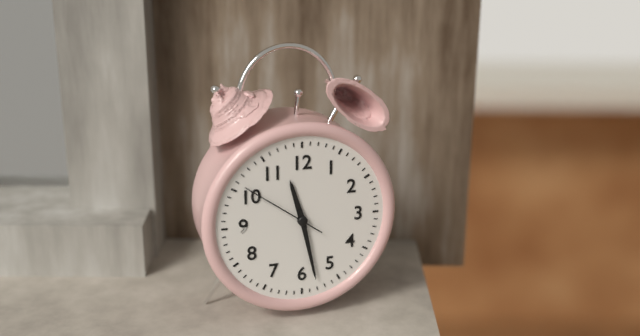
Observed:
11.28.51
